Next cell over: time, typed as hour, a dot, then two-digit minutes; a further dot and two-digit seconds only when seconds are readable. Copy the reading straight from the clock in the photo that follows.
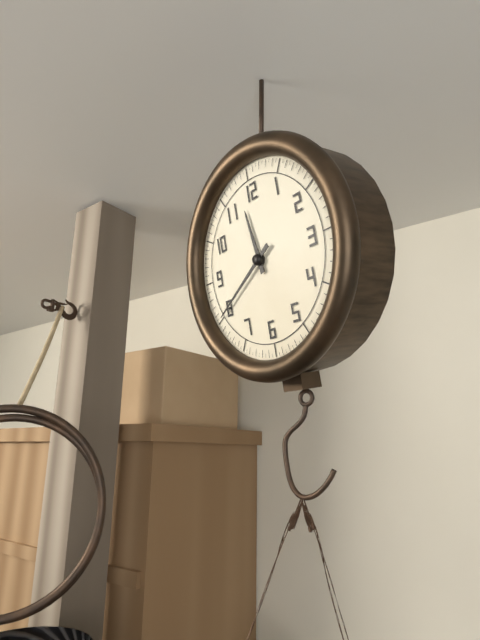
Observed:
11.40
